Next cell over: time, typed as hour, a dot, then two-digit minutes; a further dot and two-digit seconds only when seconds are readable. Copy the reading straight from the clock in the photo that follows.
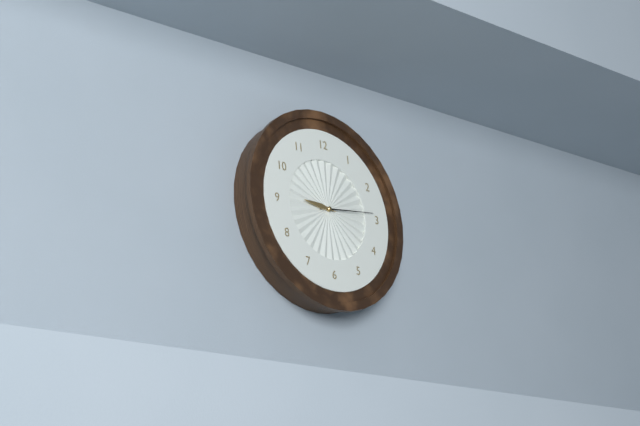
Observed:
9.14
